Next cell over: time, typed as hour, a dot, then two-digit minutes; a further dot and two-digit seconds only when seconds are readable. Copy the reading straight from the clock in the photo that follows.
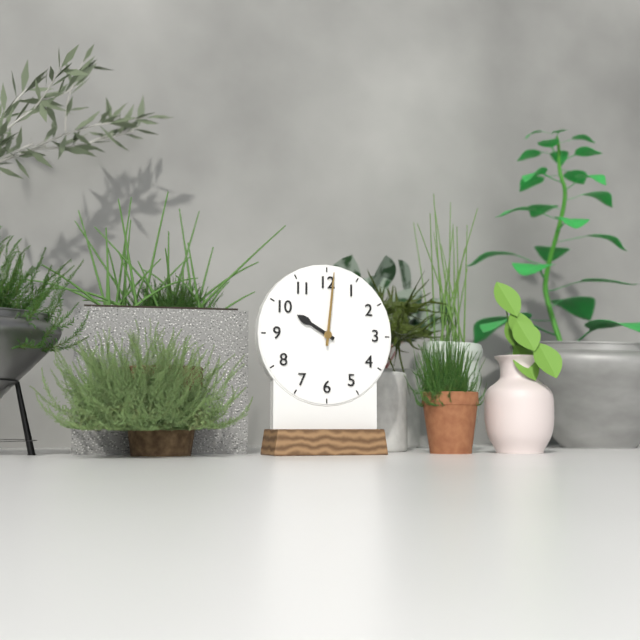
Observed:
10.01
